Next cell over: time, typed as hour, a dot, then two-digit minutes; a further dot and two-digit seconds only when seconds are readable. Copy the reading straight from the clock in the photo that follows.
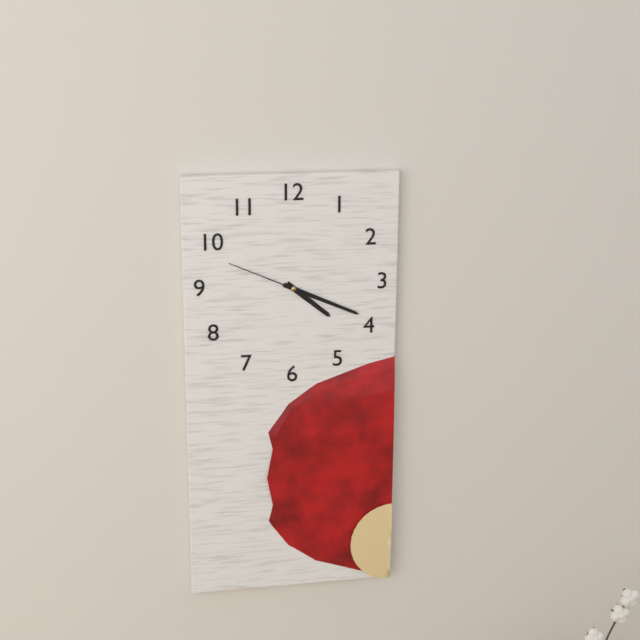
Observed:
4.19.49
